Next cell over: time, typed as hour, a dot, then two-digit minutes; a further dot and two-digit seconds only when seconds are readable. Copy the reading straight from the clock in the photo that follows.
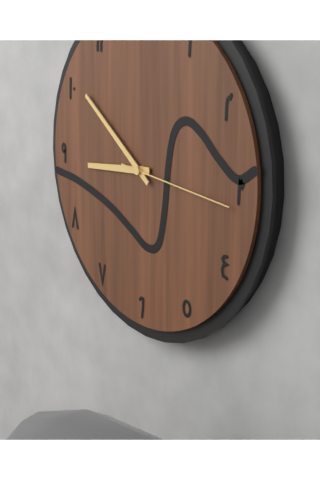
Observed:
8.51.16
